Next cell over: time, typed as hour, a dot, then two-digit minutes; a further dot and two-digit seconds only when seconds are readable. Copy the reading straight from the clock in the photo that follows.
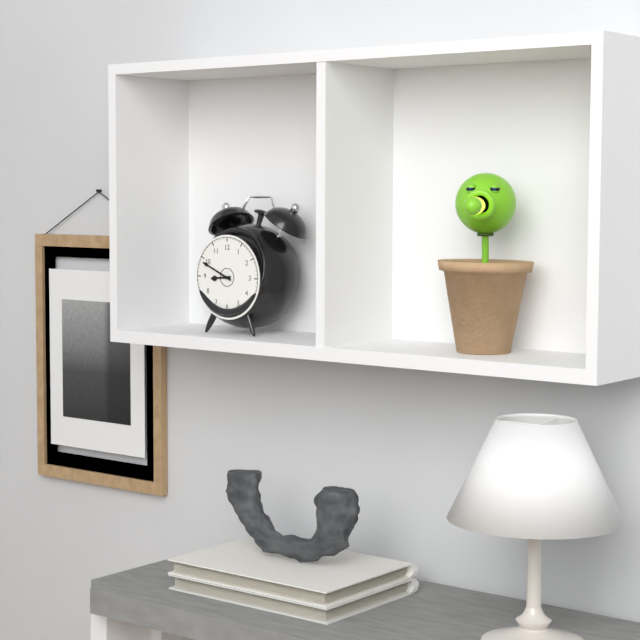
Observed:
8.49
